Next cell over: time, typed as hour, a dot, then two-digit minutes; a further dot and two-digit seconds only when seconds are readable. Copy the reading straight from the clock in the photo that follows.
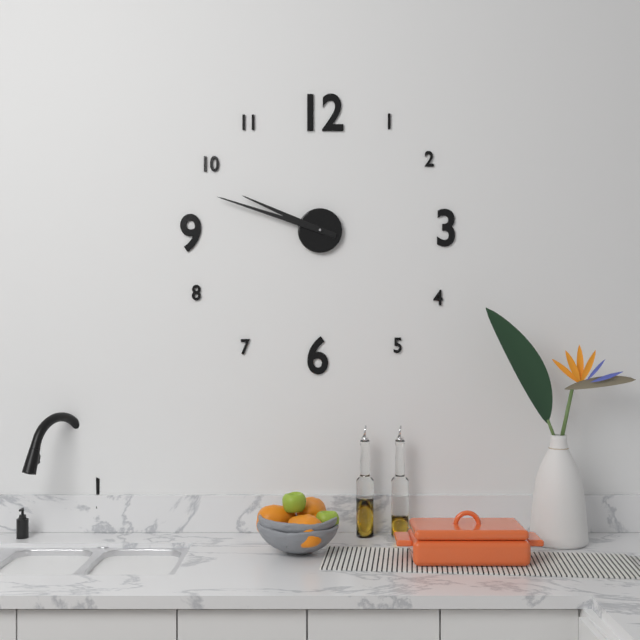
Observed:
9.48
